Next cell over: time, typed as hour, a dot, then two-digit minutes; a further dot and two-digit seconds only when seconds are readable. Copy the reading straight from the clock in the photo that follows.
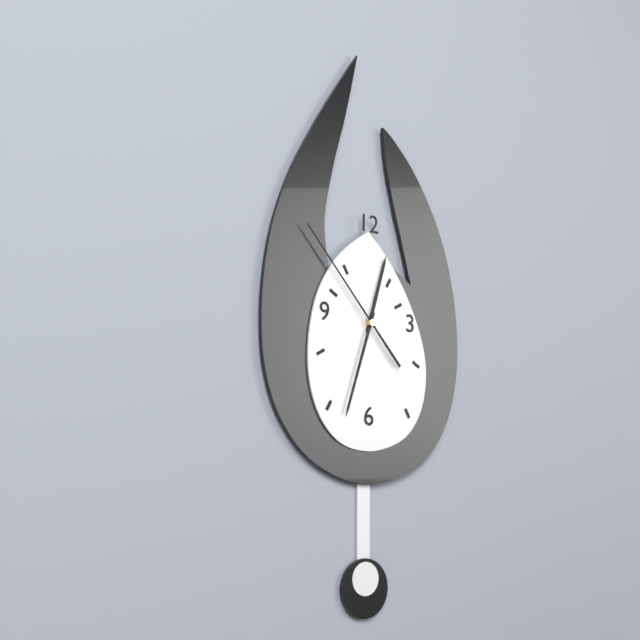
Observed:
12.33.53
